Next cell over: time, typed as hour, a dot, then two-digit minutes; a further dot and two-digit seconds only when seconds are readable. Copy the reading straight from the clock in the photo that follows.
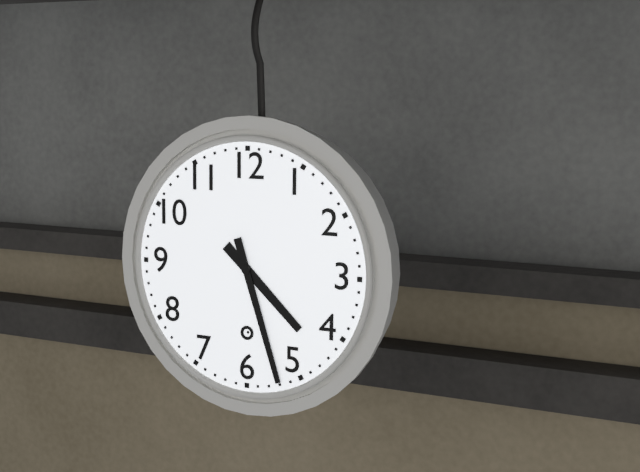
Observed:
4.27
